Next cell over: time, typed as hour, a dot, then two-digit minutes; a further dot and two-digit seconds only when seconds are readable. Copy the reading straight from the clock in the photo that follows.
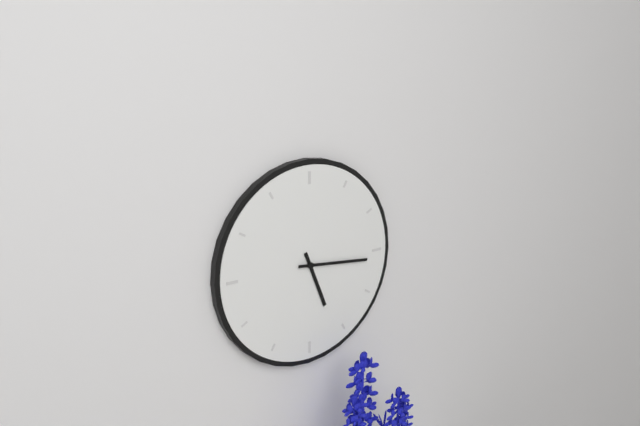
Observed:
5.16
